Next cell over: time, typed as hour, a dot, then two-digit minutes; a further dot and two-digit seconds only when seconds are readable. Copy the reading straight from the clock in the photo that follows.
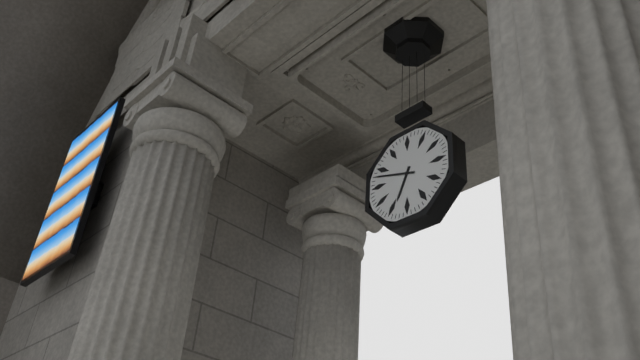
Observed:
6.48
